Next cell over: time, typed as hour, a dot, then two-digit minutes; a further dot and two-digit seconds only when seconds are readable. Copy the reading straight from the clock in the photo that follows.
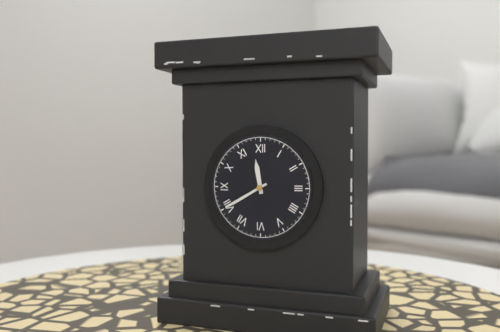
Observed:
11.40
